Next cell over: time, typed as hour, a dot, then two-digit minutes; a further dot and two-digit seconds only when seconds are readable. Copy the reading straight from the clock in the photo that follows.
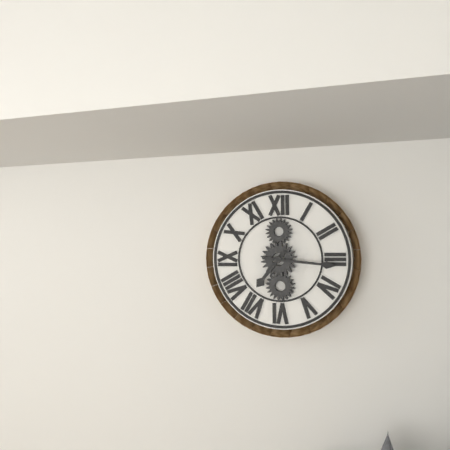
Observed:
7.16
